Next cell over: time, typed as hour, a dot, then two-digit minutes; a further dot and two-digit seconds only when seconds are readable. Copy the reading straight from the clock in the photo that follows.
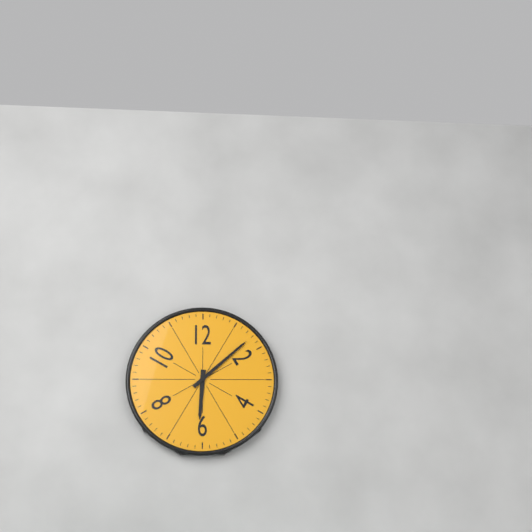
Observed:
6.08
